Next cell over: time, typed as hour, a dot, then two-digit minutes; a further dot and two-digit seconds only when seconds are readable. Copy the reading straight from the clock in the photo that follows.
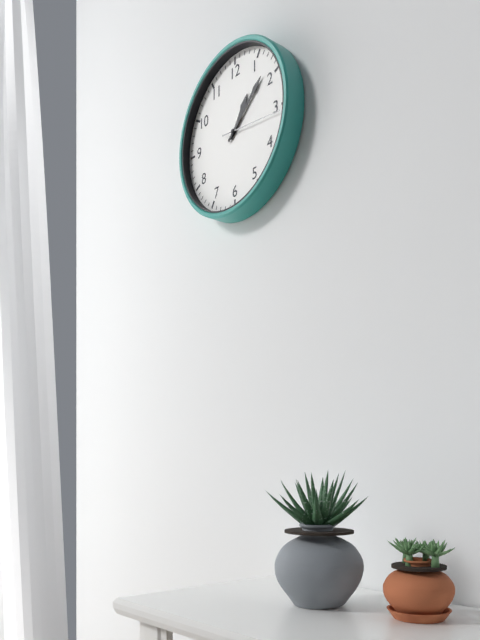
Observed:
1.08.16
